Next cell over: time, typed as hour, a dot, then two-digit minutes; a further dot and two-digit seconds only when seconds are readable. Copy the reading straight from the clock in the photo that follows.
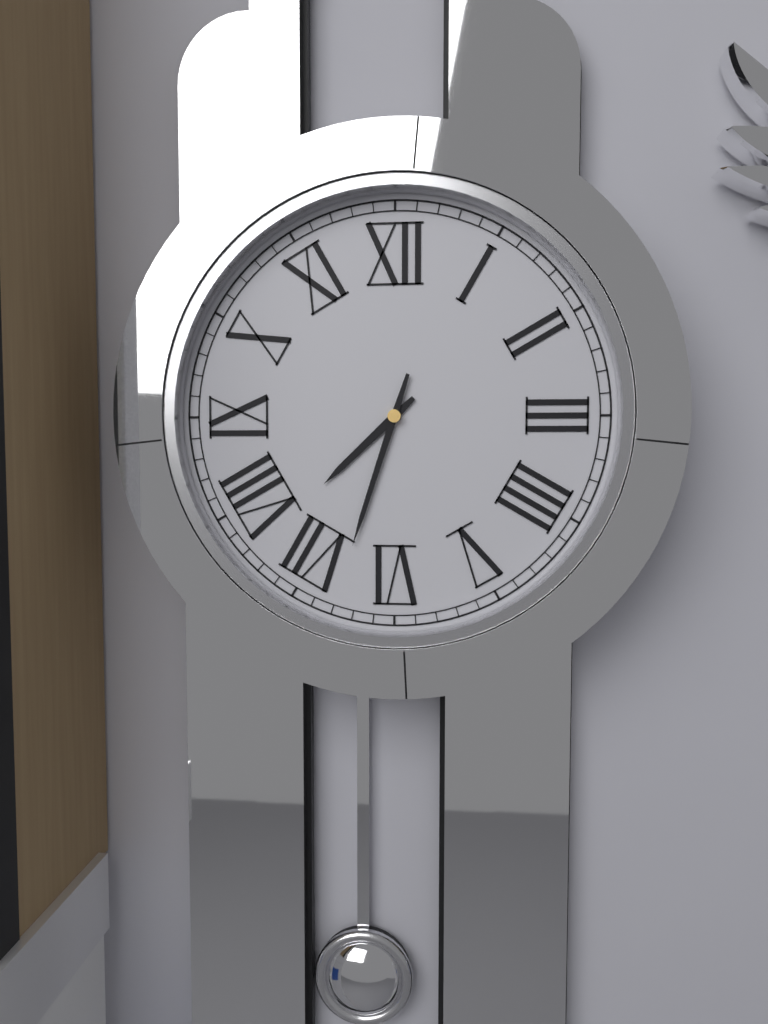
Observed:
7.33
